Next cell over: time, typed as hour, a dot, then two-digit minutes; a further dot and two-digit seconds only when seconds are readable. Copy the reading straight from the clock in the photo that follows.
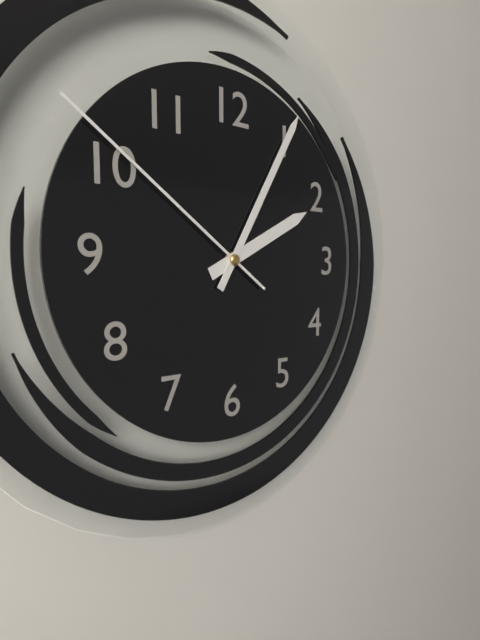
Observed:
2.05.51
